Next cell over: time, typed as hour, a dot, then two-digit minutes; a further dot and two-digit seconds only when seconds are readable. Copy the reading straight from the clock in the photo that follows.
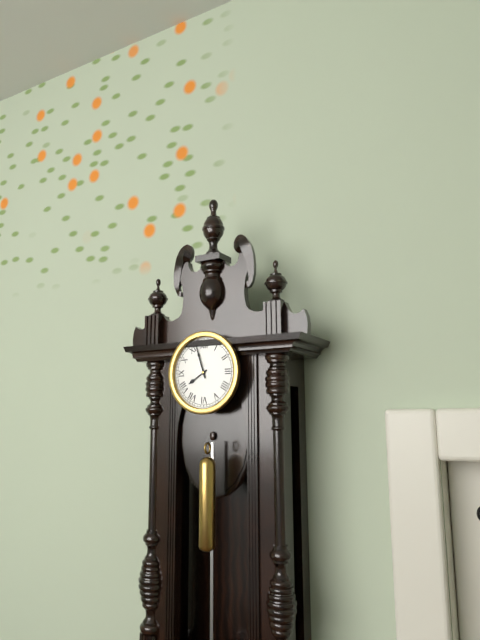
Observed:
7.57
